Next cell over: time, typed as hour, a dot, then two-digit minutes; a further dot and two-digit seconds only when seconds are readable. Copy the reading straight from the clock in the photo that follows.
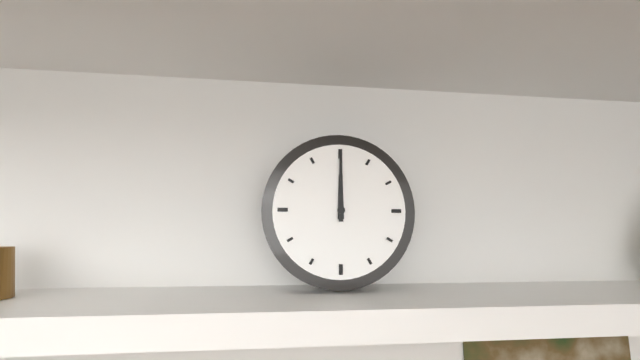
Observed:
12.00
